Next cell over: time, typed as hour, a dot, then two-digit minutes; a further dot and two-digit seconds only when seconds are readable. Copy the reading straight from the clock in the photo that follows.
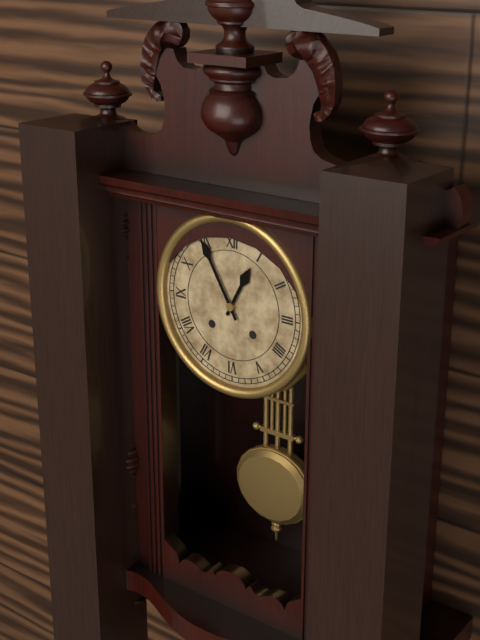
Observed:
12.55
